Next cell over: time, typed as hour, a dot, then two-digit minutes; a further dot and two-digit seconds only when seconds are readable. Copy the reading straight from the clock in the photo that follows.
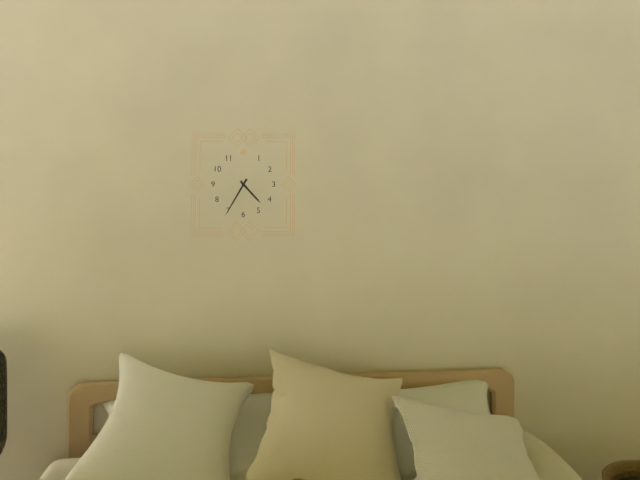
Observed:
4.35
